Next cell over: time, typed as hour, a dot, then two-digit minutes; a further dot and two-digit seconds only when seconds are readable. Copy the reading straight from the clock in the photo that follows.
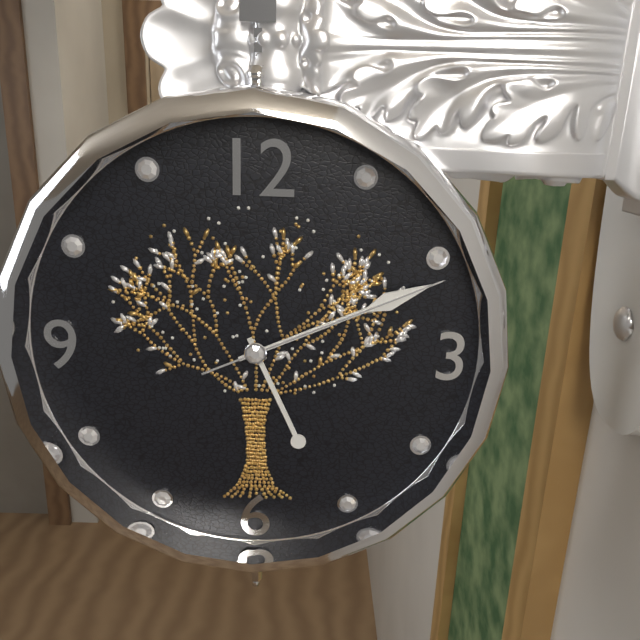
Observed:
5.11.11
